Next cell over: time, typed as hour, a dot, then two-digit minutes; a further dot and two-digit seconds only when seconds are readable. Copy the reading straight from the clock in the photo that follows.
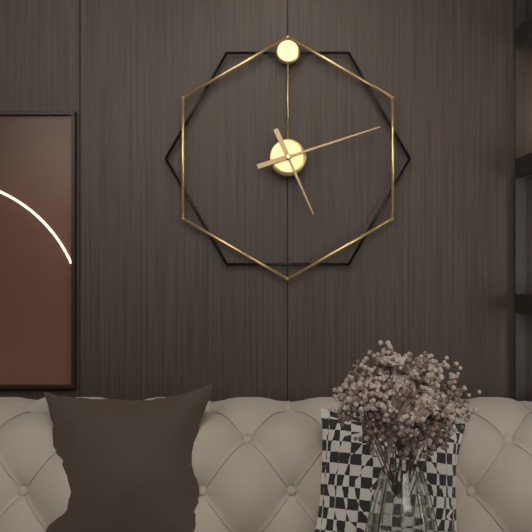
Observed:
5.12
